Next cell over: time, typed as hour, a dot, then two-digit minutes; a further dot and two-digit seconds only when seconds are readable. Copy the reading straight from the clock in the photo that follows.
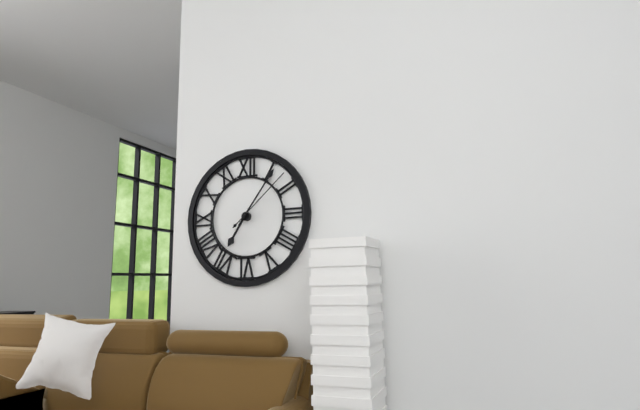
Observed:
7.06.08
